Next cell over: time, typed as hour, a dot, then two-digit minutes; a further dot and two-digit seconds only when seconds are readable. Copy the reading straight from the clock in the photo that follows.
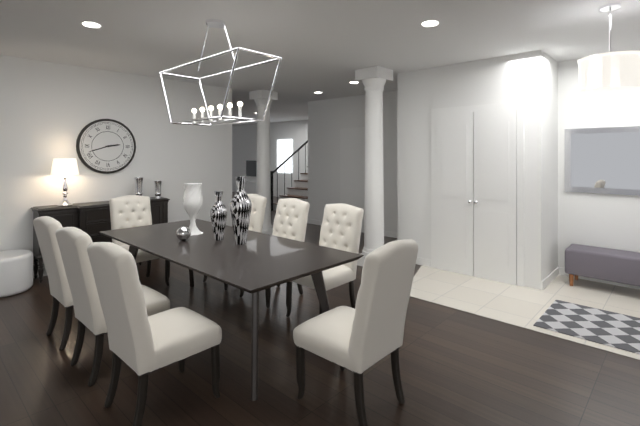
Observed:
2.42
